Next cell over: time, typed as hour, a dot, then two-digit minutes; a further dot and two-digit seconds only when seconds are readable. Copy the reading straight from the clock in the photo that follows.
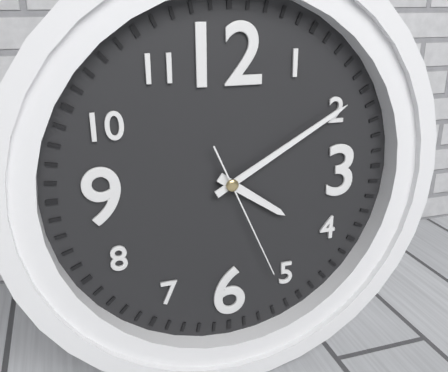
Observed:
4.10.26
